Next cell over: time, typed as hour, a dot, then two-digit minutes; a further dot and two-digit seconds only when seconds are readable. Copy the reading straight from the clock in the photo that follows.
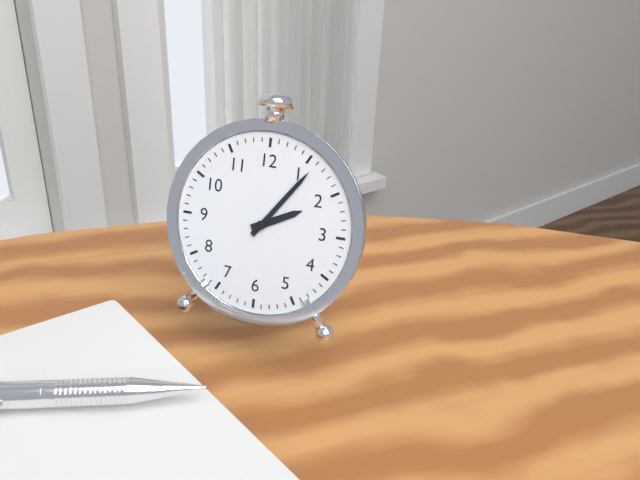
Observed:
2.06
